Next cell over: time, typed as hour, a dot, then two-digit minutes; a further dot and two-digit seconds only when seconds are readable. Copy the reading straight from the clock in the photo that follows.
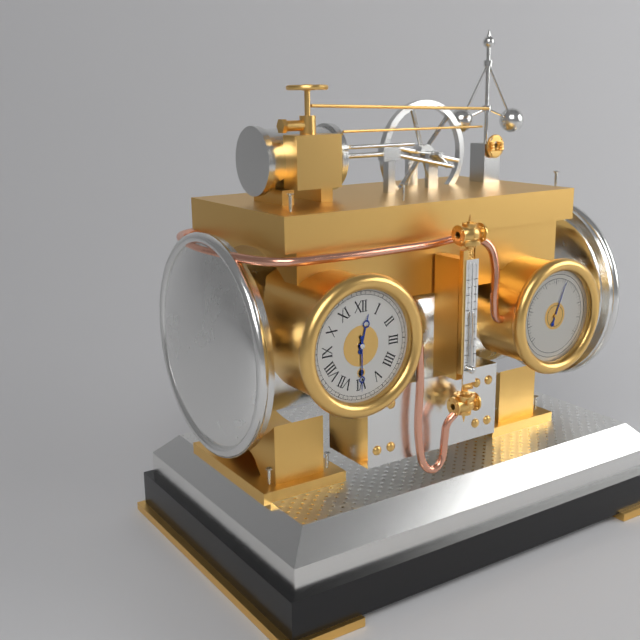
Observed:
12.30
